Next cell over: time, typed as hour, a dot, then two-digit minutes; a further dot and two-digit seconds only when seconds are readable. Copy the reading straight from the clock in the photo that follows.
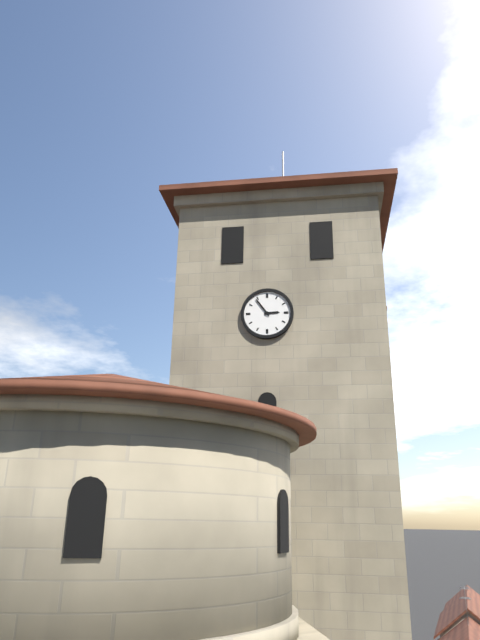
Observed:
2.54
